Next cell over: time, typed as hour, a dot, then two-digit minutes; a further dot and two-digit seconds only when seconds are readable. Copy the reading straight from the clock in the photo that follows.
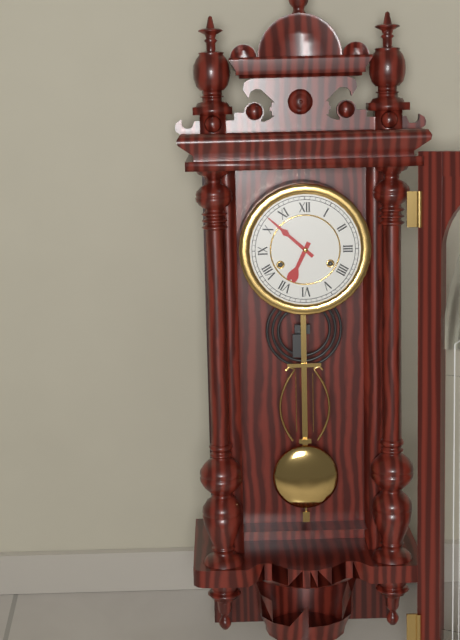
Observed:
6.52
